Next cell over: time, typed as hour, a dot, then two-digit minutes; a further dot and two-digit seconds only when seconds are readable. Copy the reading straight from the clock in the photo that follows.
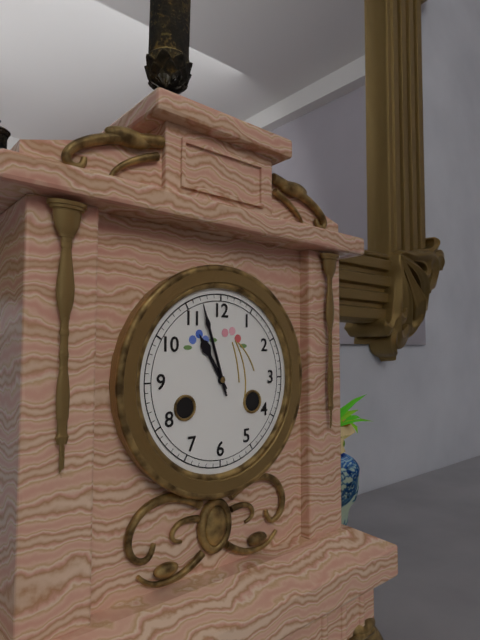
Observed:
10.57
